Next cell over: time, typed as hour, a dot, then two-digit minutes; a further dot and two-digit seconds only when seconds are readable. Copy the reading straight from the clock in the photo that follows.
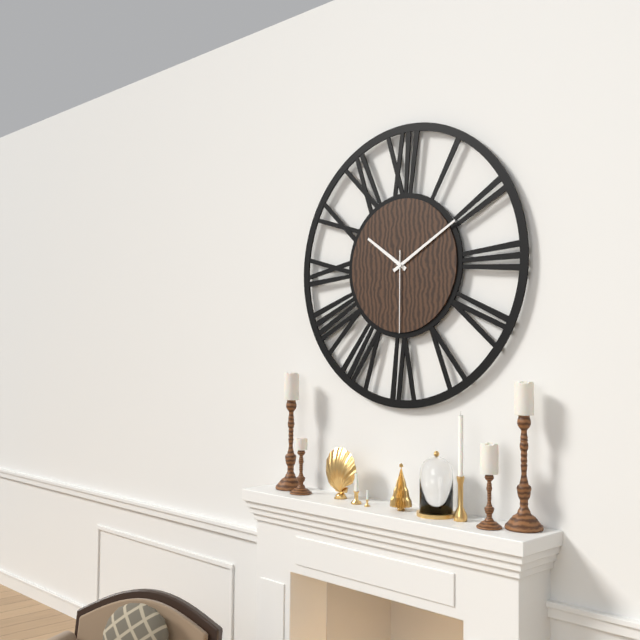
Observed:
10.10.30
